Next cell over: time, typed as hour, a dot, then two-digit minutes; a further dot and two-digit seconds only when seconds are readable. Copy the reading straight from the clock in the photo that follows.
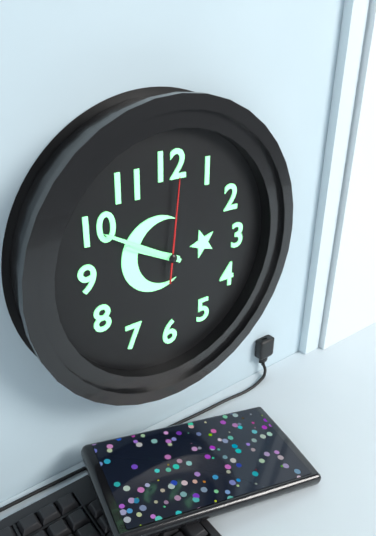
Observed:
9.50.01
